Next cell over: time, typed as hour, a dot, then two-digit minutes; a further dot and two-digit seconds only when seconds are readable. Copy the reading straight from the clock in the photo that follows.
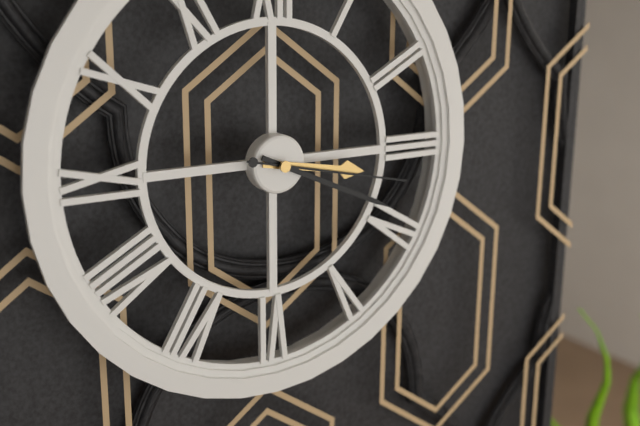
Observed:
3.19.17
